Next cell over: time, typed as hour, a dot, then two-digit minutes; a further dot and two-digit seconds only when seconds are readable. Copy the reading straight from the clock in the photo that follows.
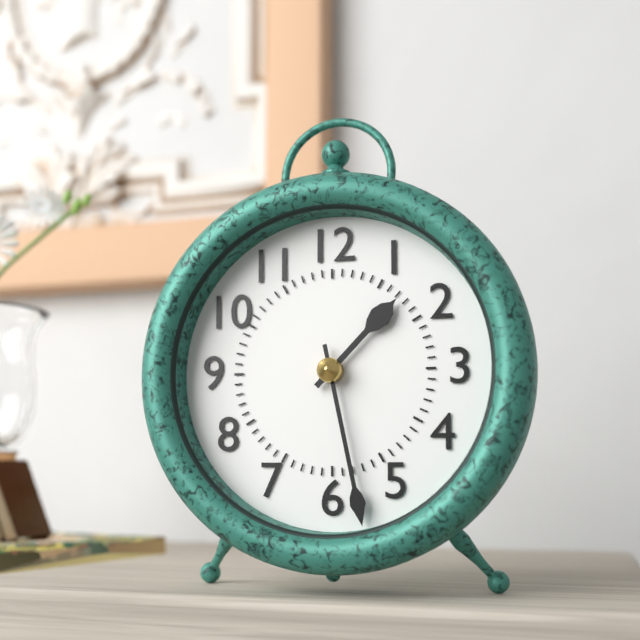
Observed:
1.28
